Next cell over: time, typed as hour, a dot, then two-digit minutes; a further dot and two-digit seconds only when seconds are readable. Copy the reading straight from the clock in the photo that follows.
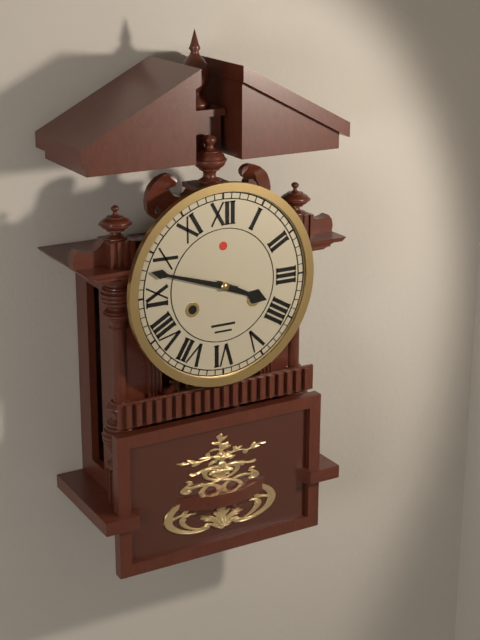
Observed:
3.48
